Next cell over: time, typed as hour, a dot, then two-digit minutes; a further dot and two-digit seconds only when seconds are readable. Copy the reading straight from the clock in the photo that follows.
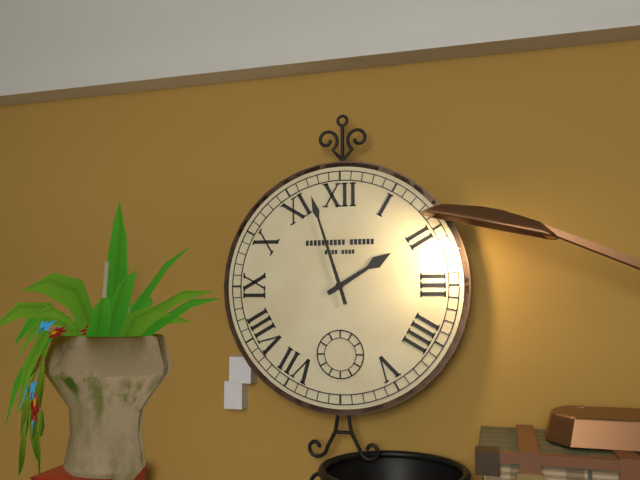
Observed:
1.57
